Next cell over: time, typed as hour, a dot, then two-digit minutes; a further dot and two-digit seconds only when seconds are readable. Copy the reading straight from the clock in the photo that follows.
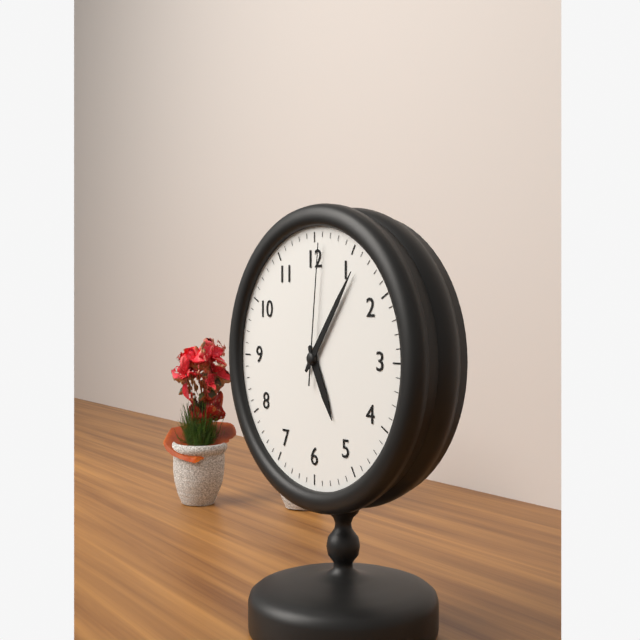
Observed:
5.06.01
